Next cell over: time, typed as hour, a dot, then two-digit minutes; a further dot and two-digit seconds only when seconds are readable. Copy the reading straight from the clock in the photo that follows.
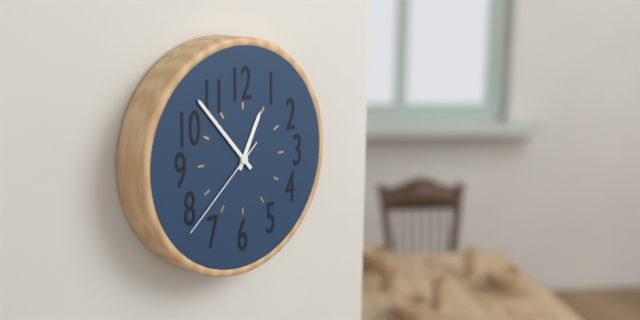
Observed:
12.53.38
